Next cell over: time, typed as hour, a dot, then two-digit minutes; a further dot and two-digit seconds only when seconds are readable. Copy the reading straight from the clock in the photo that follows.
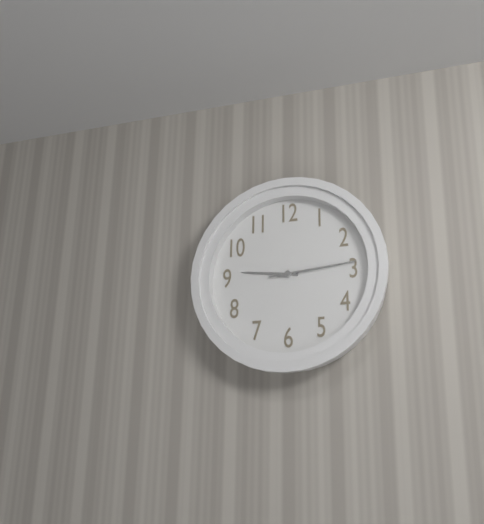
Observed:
9.14.14
